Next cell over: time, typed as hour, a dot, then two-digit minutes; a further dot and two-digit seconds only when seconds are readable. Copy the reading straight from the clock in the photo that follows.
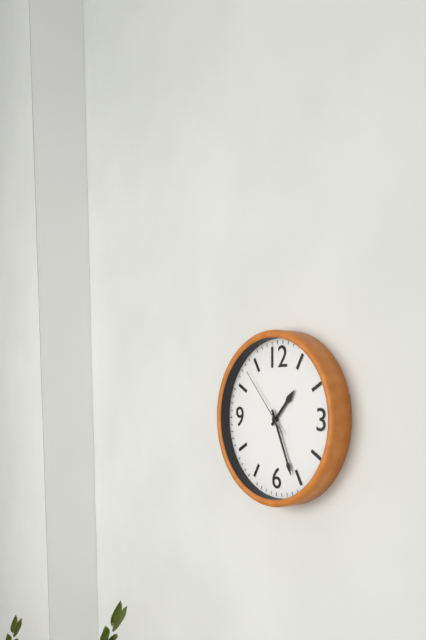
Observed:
1.26.53
